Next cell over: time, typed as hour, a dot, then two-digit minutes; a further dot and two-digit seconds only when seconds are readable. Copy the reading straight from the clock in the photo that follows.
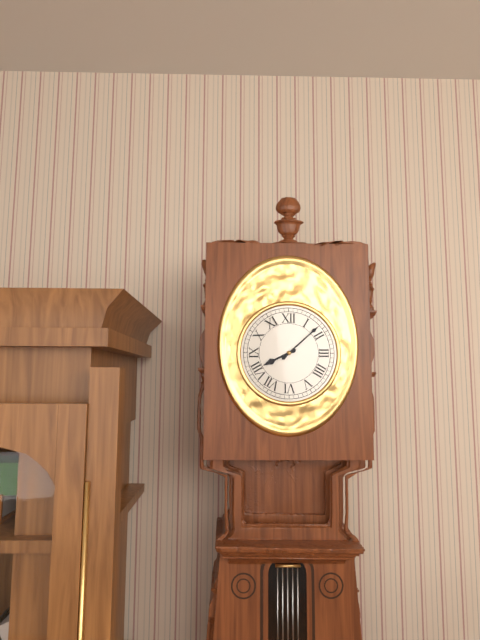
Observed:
8.08
